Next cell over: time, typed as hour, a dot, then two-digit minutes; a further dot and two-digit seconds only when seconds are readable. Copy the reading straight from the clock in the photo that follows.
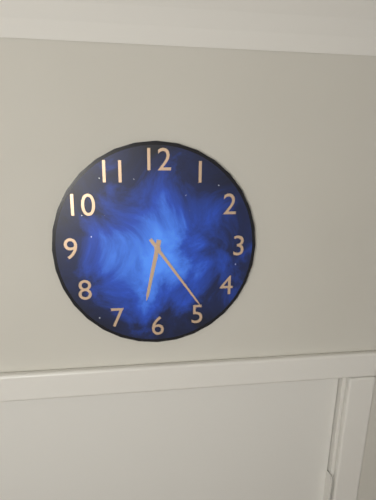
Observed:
6.24
